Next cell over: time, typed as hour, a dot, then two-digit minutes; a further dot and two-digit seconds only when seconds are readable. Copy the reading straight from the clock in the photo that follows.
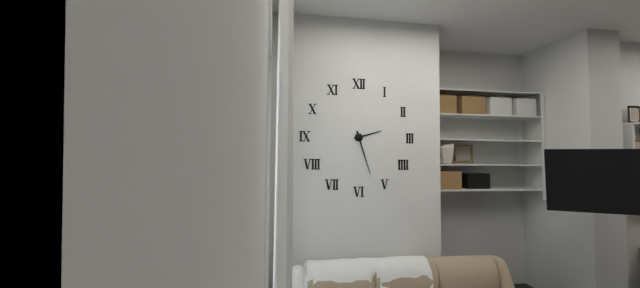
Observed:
2.27
